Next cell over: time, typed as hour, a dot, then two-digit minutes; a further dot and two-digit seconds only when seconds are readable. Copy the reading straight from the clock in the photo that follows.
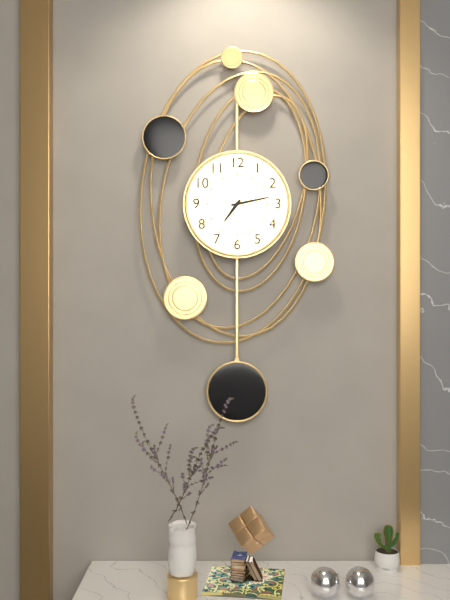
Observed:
7.13
